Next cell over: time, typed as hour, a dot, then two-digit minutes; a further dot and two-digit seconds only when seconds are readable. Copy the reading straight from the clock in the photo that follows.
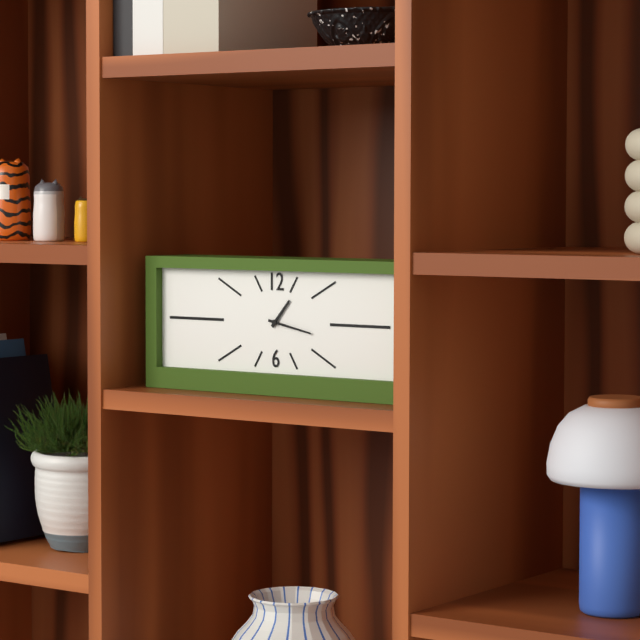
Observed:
1.17
